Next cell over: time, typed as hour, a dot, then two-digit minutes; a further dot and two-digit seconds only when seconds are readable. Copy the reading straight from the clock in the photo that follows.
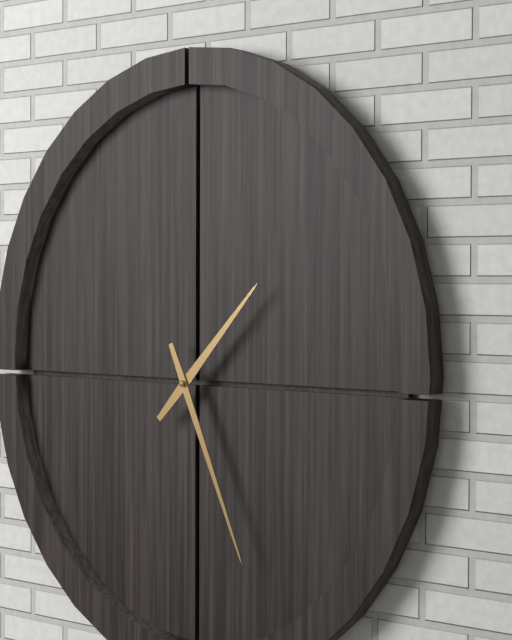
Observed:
1.26
